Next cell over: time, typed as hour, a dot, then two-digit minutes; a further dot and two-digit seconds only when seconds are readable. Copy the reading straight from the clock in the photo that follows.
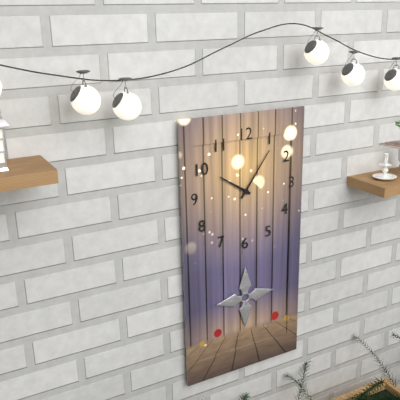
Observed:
10.06
